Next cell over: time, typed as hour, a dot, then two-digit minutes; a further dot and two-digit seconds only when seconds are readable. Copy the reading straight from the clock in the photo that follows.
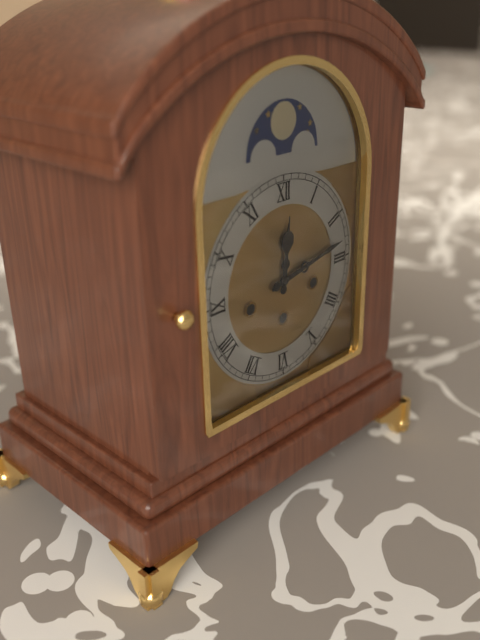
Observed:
12.13
